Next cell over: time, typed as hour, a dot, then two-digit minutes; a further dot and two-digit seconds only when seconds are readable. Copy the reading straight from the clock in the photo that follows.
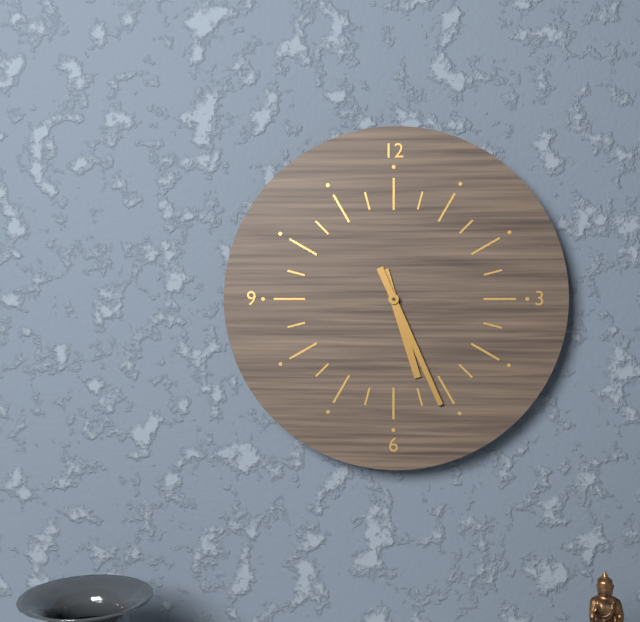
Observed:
5.26
